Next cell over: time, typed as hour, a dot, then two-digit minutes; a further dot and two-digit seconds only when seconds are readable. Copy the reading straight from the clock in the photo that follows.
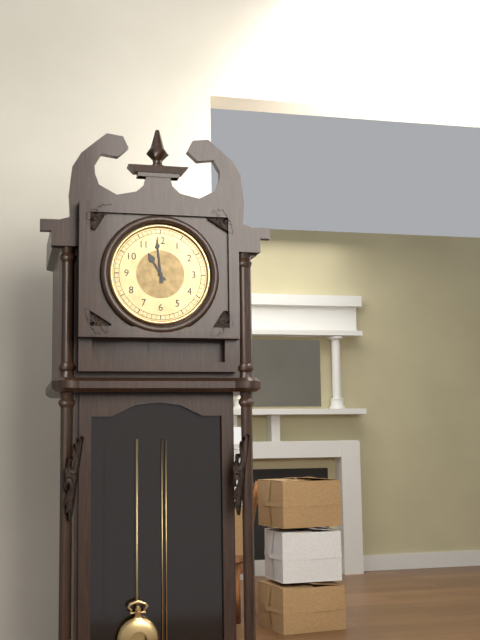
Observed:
10.59
